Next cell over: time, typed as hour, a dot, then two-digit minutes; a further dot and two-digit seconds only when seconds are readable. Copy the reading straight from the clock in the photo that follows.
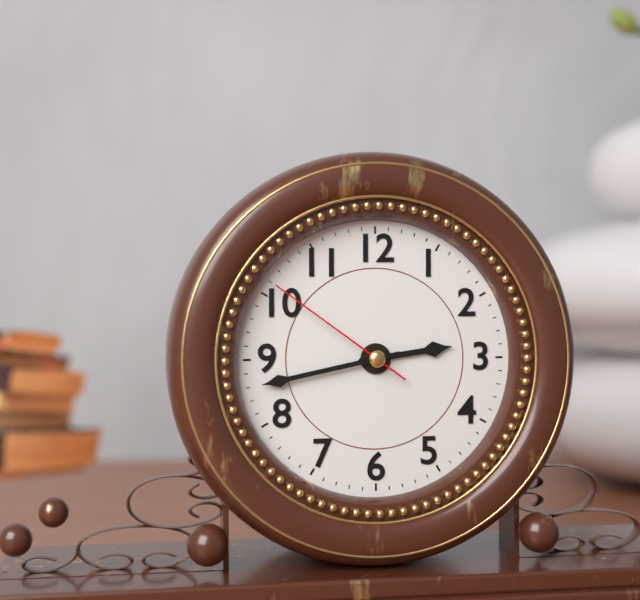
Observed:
2.43.51
